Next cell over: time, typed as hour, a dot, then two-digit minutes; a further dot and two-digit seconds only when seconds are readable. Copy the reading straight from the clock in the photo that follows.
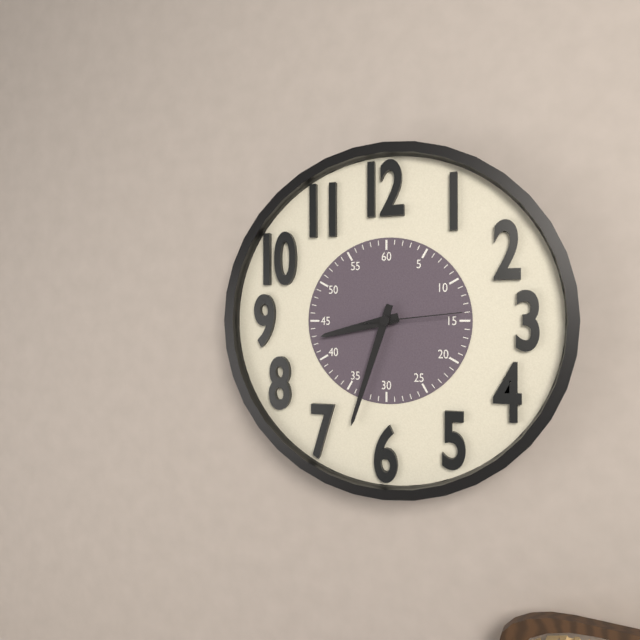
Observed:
8.33.14
